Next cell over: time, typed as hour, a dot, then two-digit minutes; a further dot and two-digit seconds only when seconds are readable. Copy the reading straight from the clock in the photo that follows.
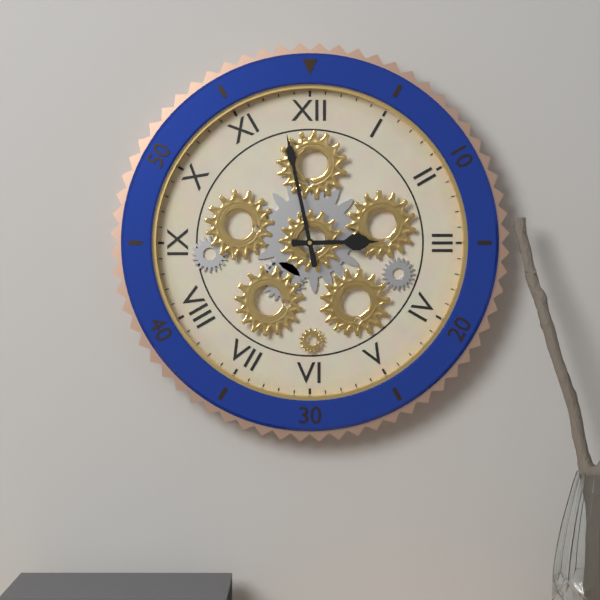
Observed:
2.58
